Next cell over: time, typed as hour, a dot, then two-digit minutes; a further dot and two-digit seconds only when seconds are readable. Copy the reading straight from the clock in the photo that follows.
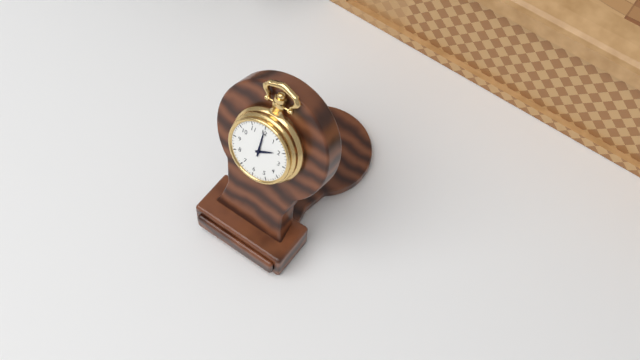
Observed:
2.00
